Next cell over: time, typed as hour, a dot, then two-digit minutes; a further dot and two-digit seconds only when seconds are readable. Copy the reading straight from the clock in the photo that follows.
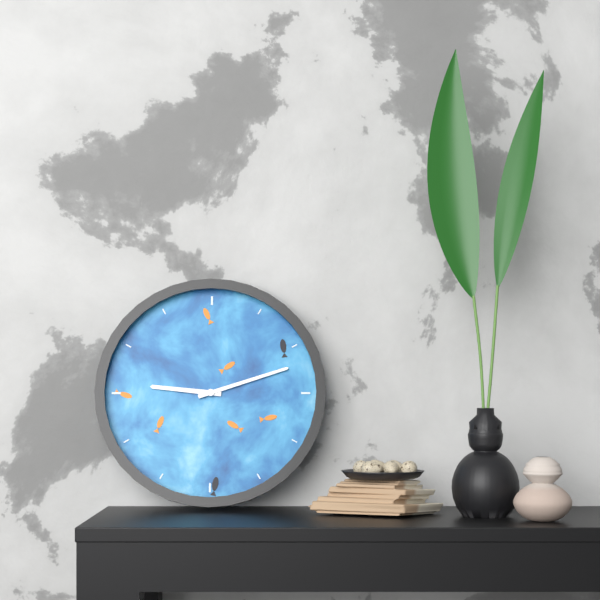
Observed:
9.12
